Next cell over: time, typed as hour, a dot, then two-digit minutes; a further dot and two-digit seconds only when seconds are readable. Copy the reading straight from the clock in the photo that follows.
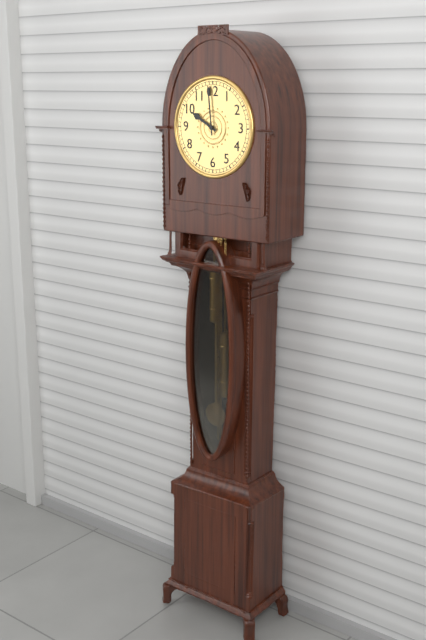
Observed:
9.59
